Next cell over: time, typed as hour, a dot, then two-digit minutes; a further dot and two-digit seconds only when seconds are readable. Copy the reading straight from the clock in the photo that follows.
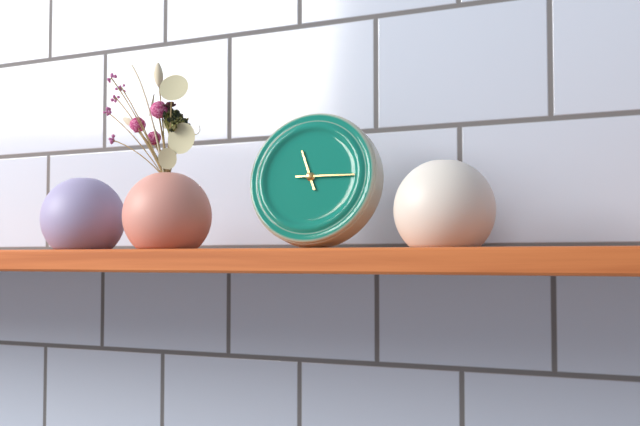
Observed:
11.15
